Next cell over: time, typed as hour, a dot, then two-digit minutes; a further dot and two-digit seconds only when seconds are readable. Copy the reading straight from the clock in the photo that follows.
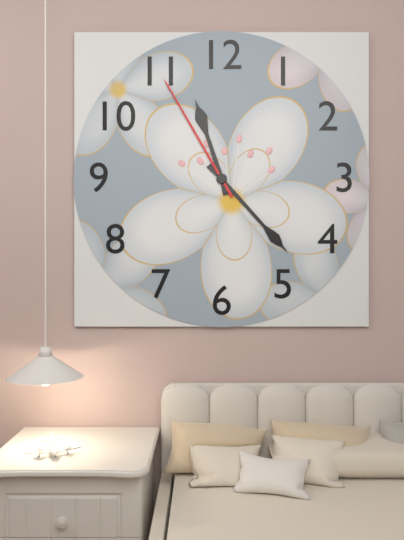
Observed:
11.23.55
